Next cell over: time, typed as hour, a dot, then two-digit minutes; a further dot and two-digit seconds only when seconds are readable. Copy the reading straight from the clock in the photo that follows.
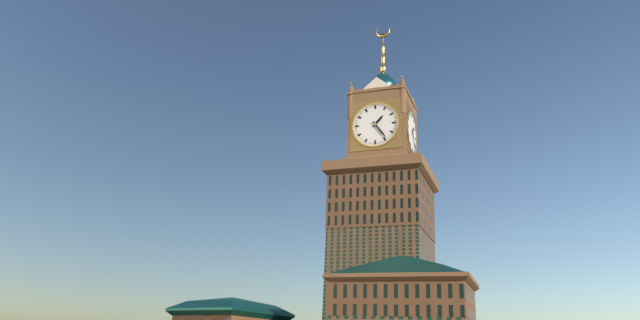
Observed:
1.24
